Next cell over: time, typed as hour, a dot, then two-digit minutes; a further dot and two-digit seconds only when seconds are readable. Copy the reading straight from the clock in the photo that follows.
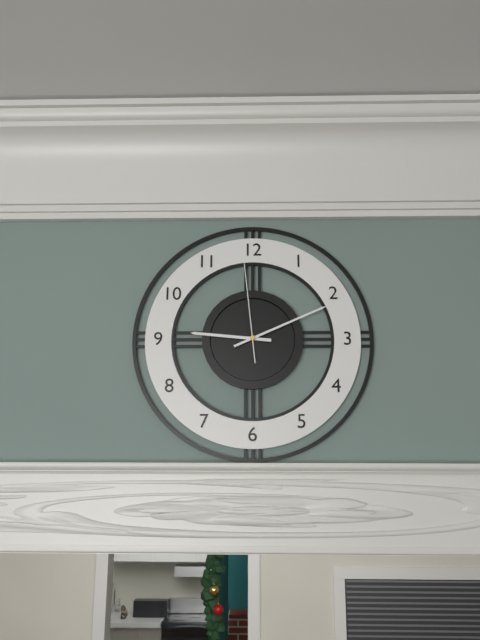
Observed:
9.11.59
